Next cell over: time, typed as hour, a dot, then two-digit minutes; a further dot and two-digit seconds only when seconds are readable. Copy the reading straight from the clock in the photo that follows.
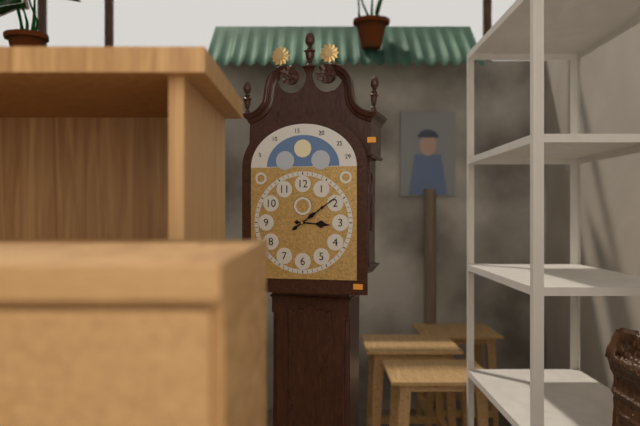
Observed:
3.09
